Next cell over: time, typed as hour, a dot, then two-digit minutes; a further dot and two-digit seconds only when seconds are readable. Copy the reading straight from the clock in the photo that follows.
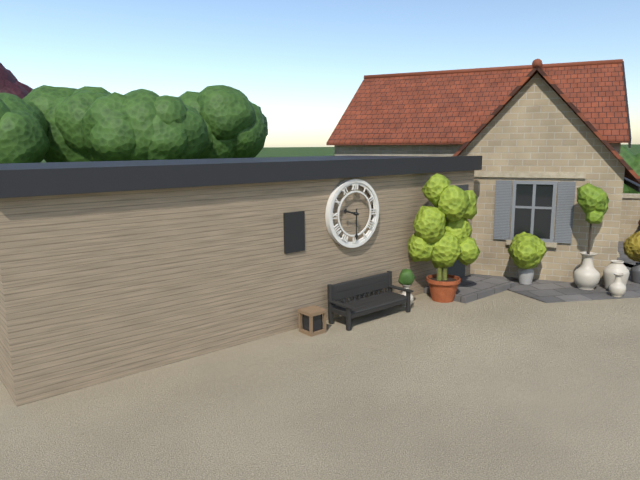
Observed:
9.30
